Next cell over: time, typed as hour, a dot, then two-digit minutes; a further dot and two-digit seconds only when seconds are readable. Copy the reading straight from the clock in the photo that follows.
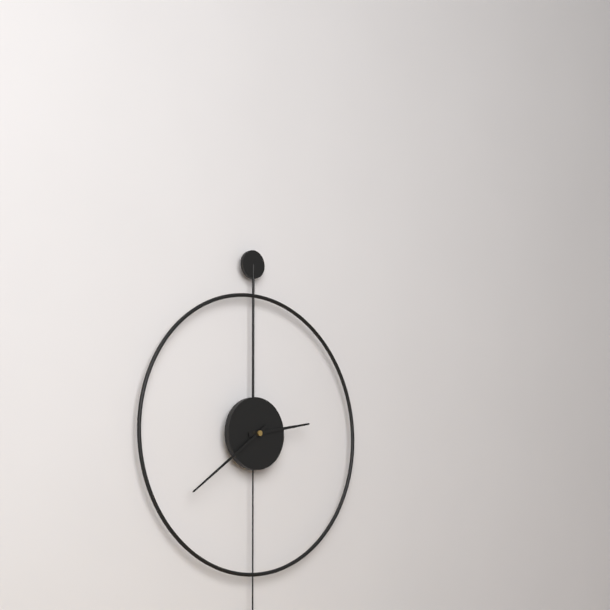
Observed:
2.39
